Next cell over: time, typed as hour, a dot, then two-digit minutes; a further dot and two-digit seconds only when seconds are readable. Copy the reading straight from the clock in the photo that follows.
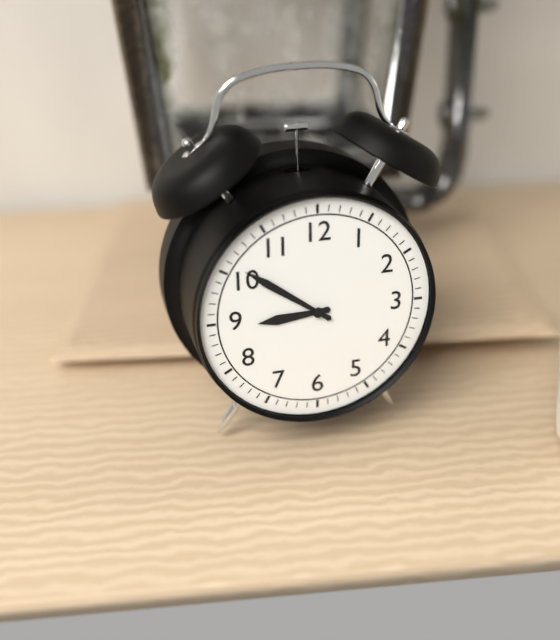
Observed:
8.51
